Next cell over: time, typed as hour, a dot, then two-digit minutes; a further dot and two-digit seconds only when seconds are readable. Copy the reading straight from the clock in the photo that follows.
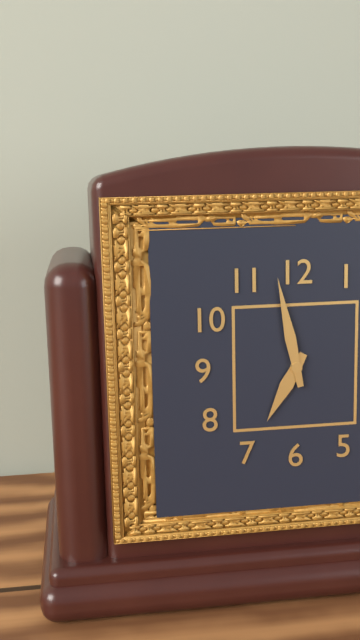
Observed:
6.58
